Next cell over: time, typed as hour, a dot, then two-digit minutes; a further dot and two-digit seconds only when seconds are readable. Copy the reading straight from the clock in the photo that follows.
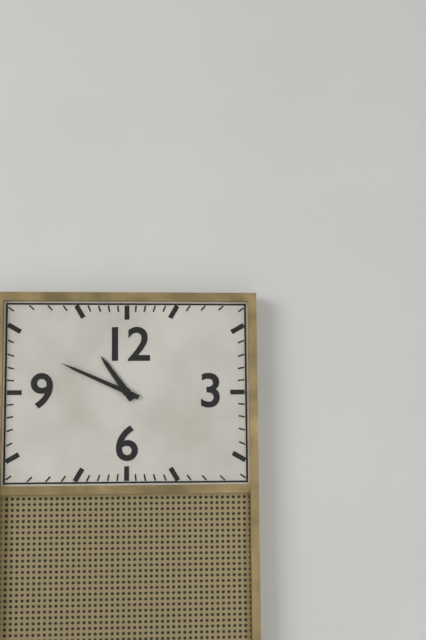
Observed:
10.49
